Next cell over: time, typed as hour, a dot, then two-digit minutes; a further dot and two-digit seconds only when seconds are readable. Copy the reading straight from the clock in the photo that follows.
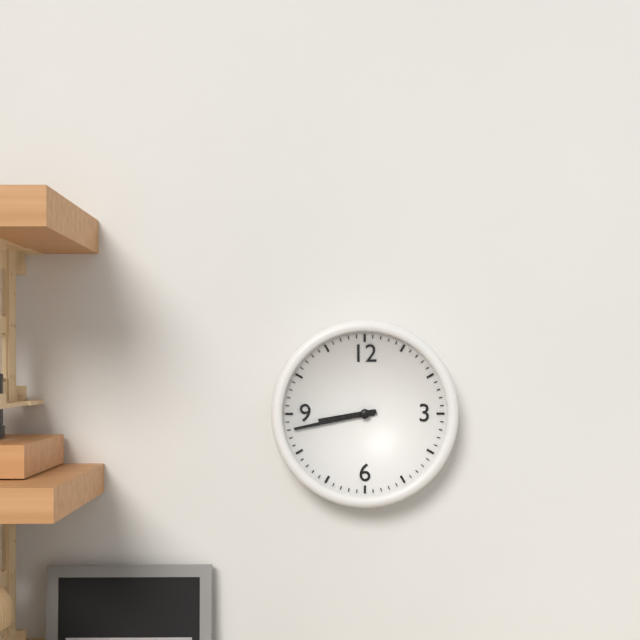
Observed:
8.43
